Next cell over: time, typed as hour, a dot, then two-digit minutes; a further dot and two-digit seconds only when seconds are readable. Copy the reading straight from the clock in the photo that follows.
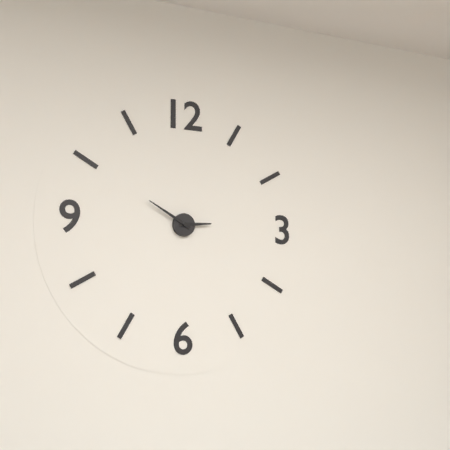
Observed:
2.50
